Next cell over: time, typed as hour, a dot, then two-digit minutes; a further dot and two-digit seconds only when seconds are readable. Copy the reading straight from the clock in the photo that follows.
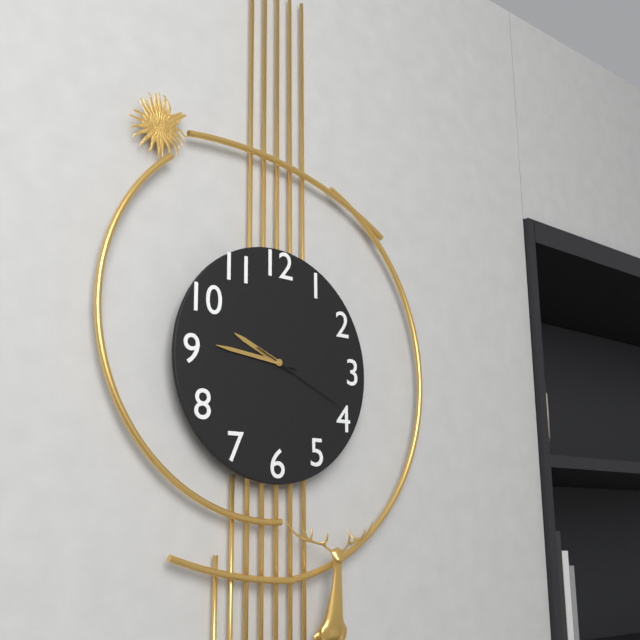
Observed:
9.46.19
